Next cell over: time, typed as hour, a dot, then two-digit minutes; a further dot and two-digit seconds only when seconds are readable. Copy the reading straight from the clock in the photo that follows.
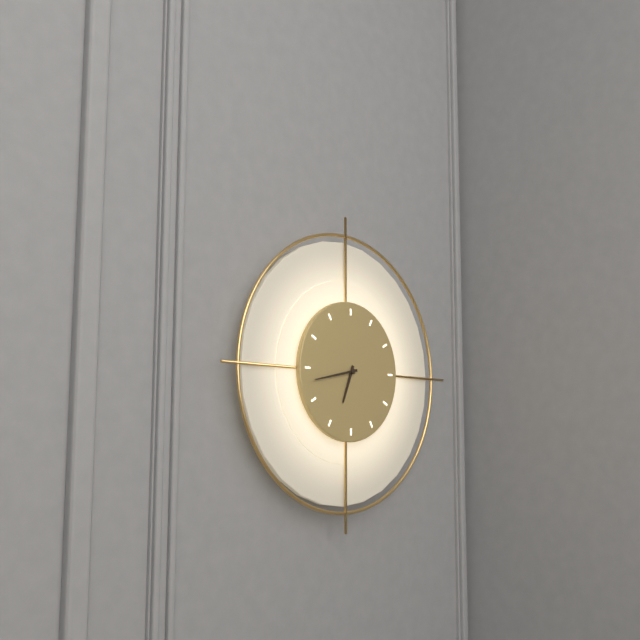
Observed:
6.43
